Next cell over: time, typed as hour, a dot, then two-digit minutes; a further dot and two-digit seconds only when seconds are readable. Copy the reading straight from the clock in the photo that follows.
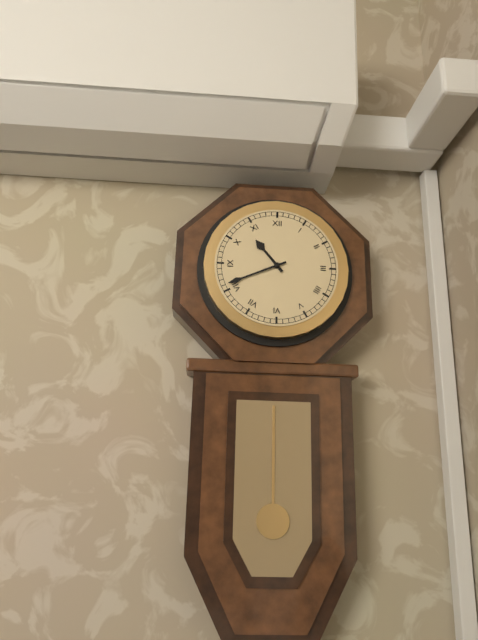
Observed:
10.41
